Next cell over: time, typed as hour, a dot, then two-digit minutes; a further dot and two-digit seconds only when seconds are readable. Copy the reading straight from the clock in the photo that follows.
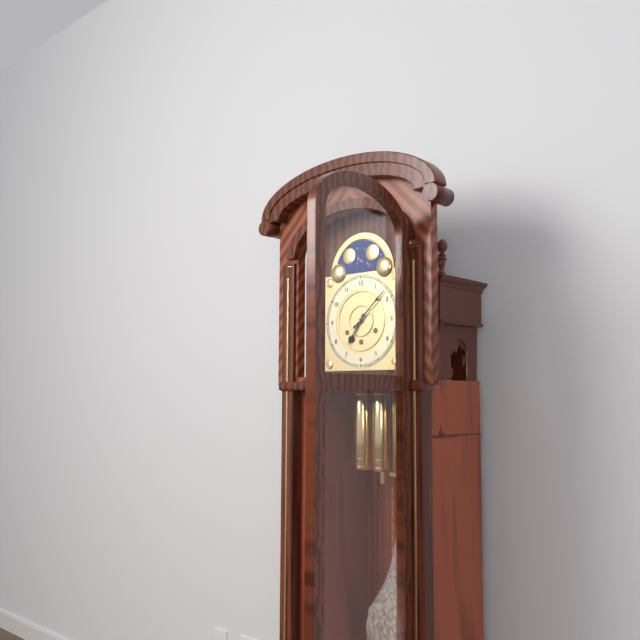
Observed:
7.08
